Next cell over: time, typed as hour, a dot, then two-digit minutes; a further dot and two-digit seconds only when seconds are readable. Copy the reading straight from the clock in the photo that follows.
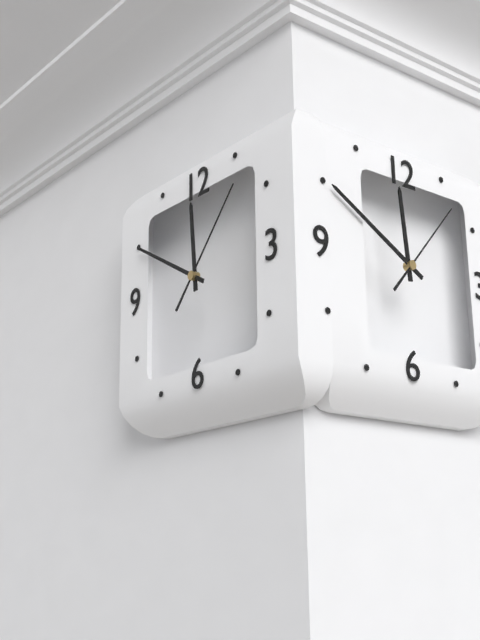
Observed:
11.50.07
